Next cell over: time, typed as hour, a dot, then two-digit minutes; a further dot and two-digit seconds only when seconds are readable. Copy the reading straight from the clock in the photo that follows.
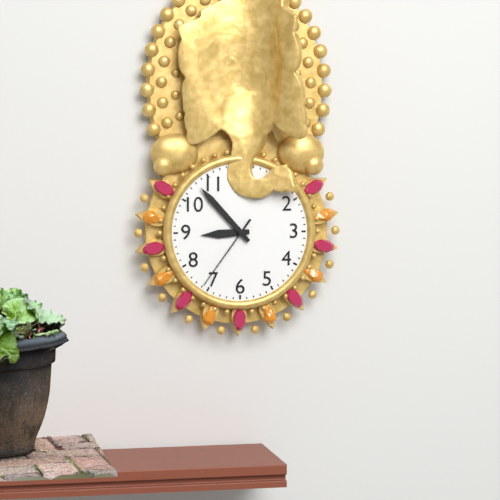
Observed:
8.53.36
